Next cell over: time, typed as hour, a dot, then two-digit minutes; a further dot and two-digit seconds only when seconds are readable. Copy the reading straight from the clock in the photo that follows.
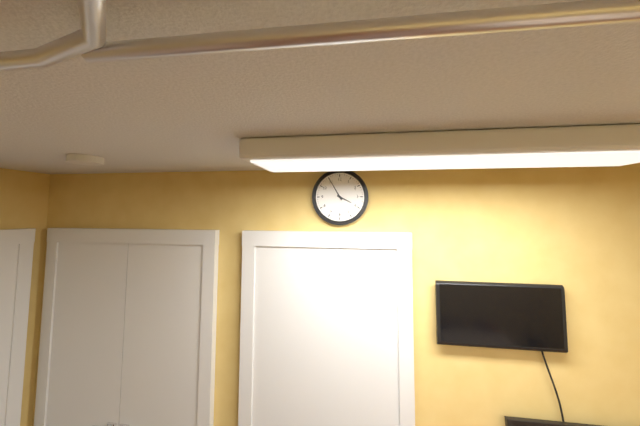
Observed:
3.55
